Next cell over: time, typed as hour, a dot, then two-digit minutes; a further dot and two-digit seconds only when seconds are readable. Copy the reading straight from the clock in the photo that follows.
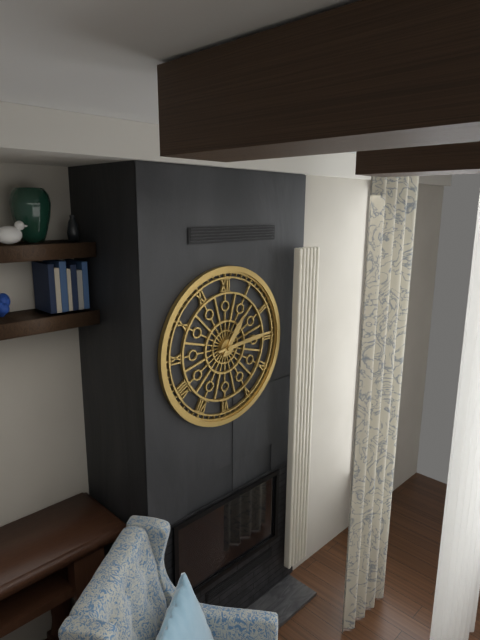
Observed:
1.14
